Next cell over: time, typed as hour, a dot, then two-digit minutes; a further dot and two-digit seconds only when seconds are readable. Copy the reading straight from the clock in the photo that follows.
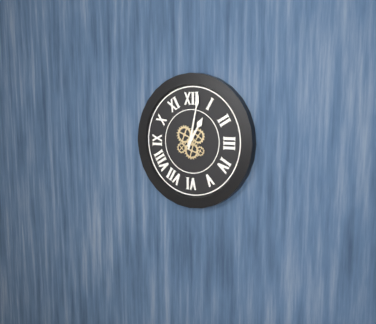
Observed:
1.02
